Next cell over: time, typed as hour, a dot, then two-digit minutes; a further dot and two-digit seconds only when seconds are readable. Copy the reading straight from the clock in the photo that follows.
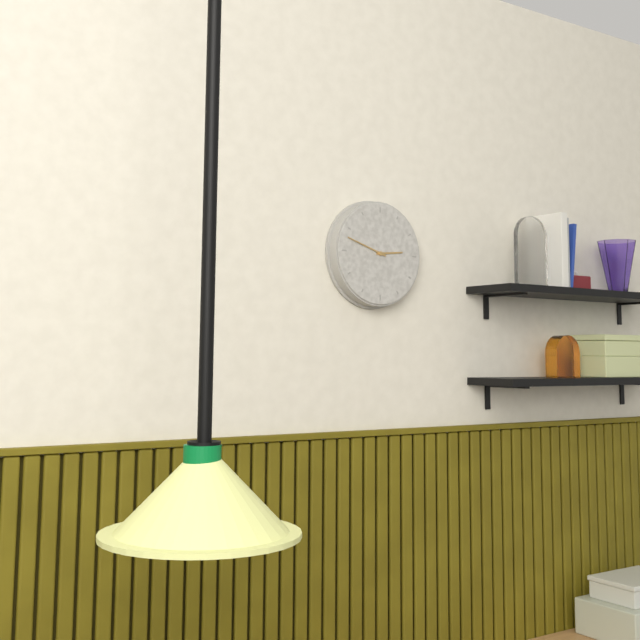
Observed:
2.48
